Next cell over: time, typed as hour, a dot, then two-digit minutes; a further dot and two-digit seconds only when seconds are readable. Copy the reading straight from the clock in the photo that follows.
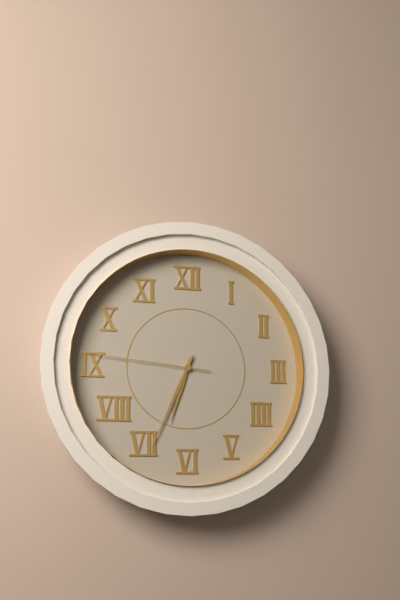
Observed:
6.34.46
